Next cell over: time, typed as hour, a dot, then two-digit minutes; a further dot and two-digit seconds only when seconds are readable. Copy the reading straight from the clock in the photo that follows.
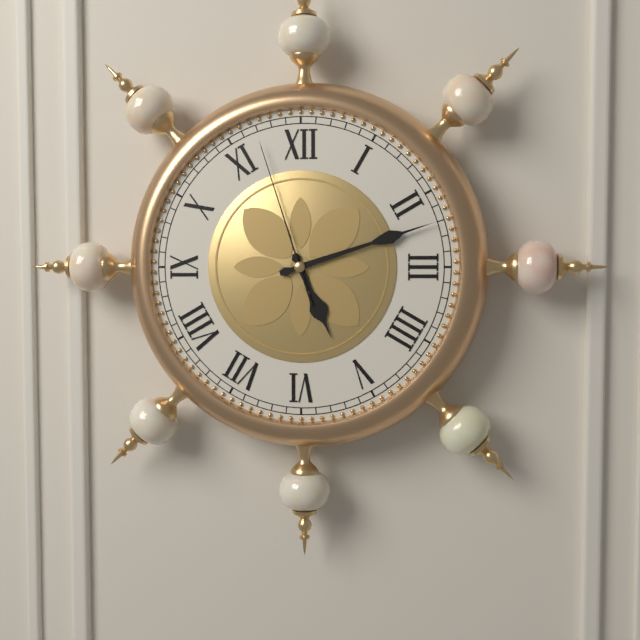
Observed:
5.12.57
